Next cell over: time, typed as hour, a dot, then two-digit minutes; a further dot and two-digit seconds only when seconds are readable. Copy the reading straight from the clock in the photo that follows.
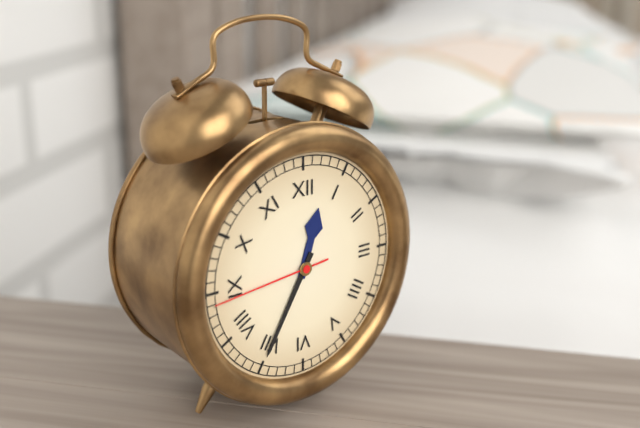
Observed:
12.35.44
